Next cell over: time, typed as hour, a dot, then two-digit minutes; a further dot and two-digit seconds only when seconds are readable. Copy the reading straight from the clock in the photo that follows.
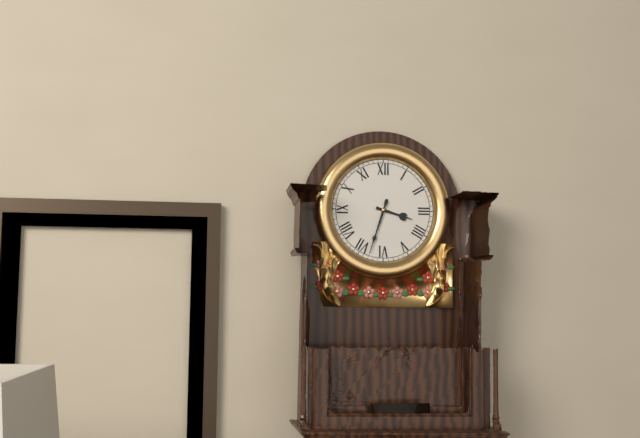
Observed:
3.33
